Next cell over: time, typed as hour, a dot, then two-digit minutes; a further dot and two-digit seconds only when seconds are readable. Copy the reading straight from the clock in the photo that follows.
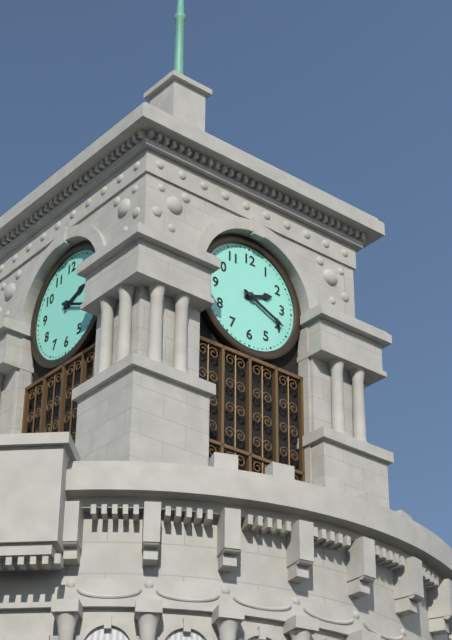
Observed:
2.19
